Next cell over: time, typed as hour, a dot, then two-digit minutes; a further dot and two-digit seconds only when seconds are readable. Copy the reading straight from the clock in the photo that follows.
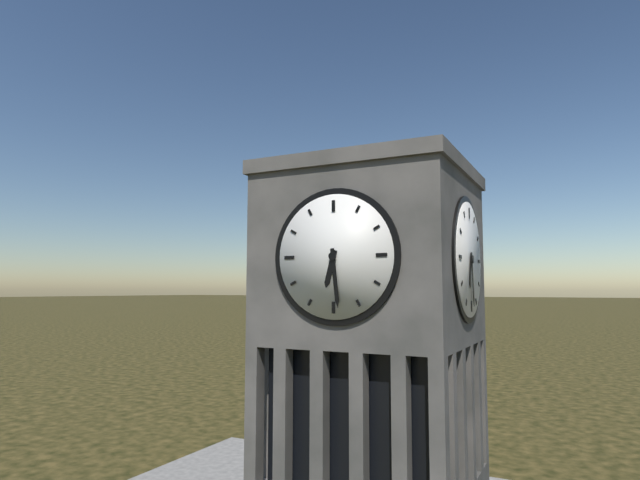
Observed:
6.29
